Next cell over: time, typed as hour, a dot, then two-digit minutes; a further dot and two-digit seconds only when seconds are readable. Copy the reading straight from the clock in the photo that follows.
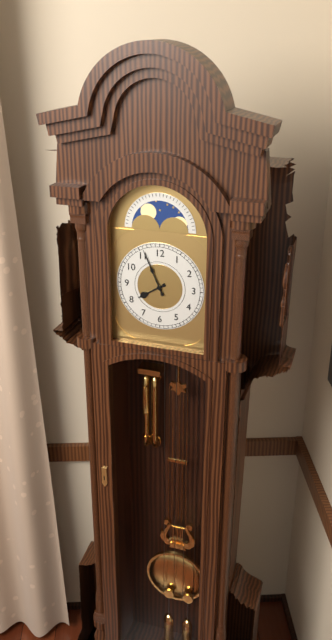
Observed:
7.56
